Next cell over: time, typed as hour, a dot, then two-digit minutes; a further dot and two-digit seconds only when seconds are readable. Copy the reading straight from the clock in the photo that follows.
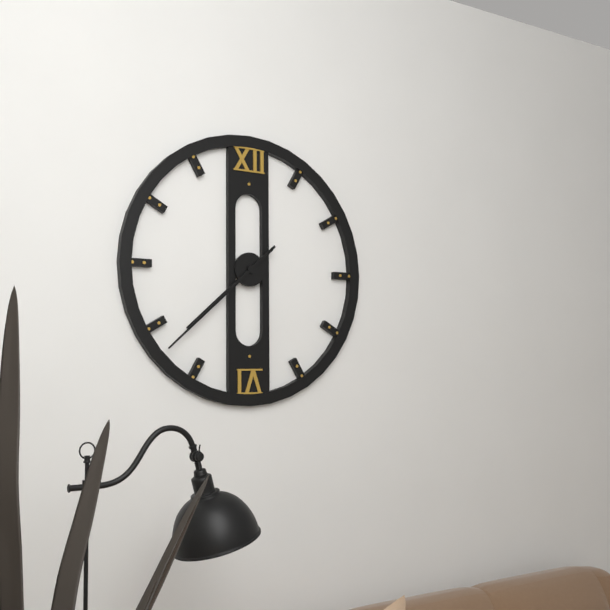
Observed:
7.38
